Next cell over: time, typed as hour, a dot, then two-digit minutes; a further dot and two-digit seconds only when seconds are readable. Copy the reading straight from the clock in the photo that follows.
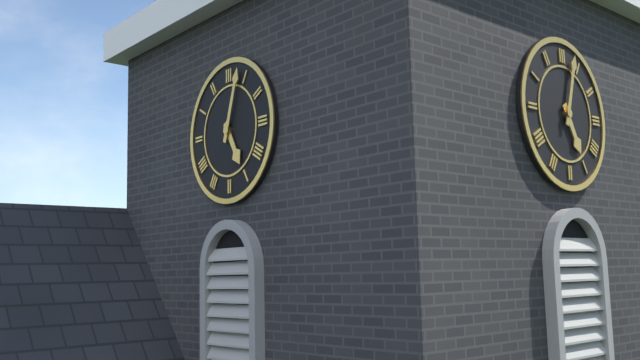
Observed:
5.03
